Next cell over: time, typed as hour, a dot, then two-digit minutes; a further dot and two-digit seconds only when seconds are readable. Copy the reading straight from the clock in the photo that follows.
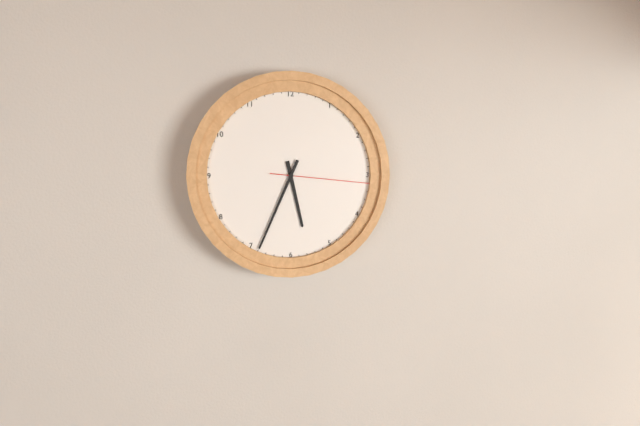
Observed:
5.34.16
